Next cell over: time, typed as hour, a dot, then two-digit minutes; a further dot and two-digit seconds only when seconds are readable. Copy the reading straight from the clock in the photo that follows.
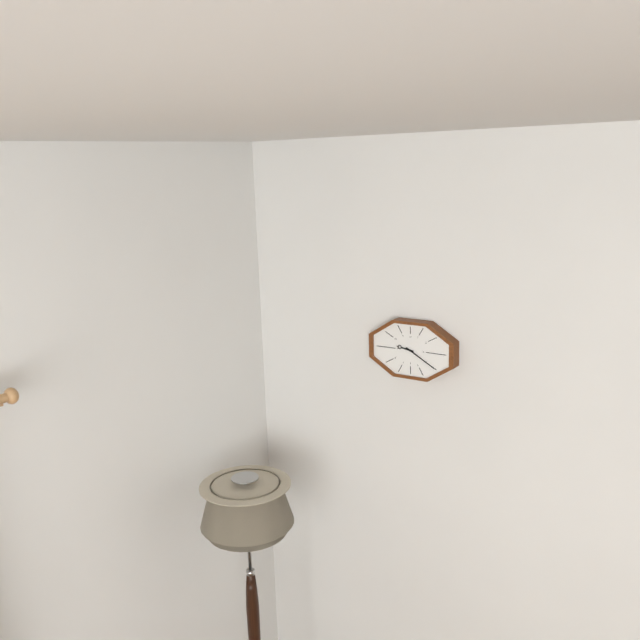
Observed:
9.20
